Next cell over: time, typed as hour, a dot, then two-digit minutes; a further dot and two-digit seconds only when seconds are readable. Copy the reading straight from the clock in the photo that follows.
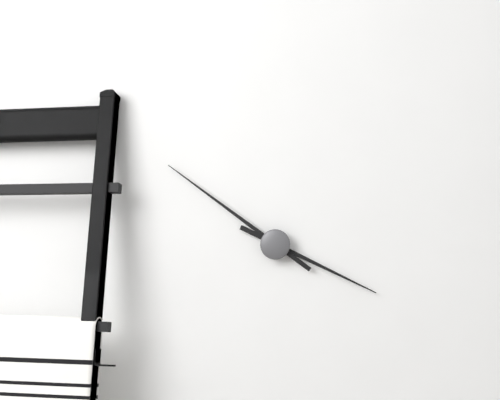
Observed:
3.51
